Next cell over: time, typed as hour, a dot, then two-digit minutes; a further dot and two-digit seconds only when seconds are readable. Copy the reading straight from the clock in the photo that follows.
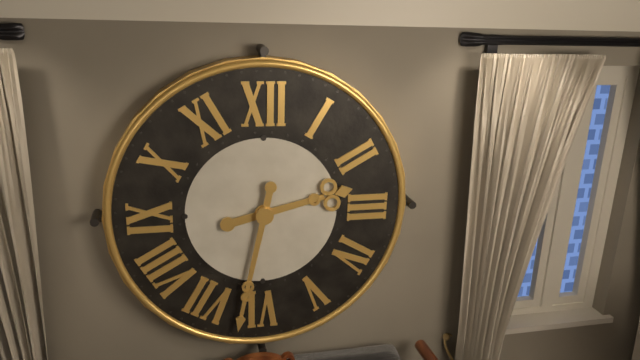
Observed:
2.32
